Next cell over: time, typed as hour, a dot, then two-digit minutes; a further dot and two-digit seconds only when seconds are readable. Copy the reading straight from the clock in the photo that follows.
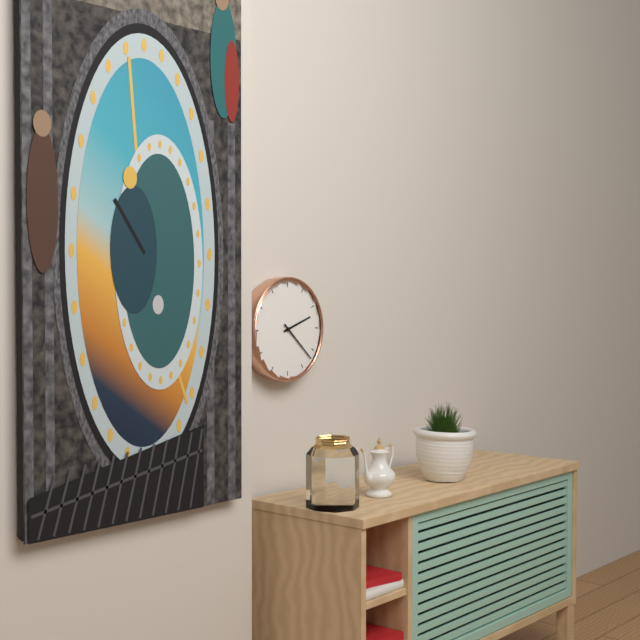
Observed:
2.22
